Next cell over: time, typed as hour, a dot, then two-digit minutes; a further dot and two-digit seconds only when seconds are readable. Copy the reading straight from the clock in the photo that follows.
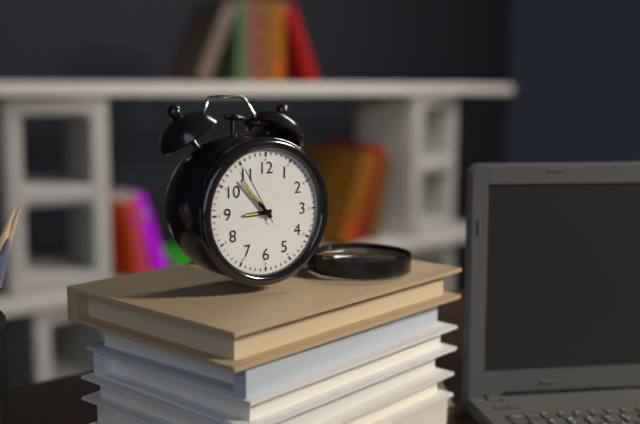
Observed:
8.53.55
